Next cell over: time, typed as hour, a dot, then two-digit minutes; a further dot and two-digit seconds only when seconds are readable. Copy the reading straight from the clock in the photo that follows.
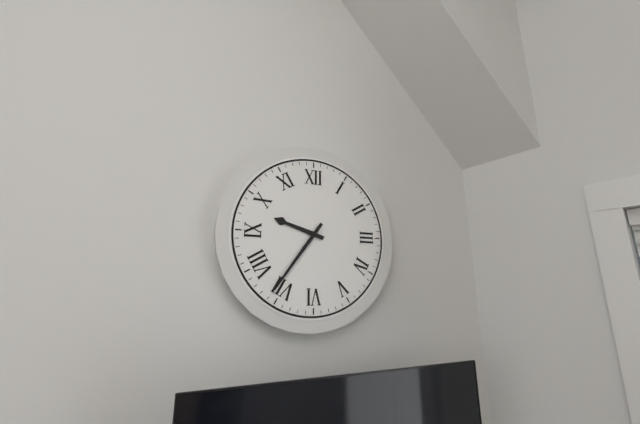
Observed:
9.36
